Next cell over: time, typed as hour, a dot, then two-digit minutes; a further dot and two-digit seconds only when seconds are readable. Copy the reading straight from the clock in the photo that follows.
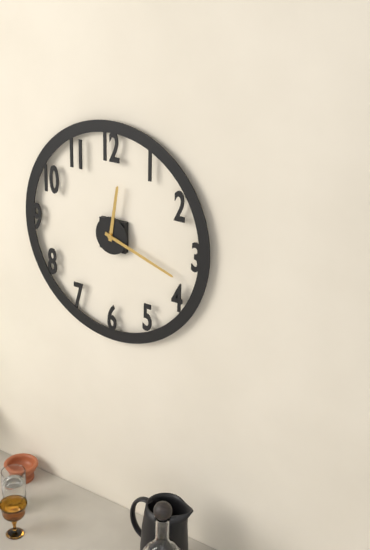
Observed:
12.18
